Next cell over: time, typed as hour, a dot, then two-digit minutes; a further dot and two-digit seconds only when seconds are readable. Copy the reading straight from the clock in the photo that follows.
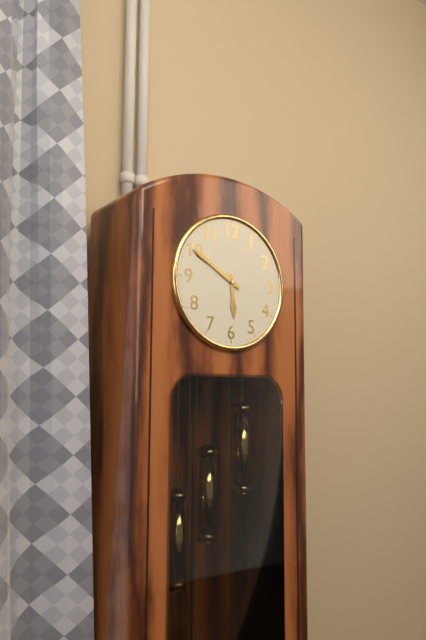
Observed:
5.50
